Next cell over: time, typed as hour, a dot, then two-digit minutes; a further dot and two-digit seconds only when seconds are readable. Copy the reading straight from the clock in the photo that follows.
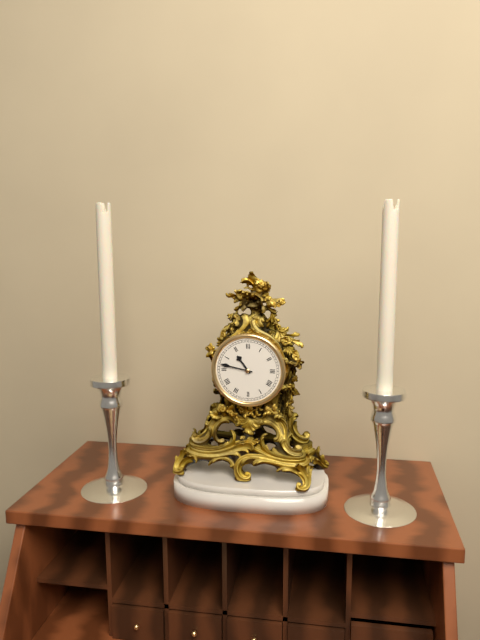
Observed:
10.47
